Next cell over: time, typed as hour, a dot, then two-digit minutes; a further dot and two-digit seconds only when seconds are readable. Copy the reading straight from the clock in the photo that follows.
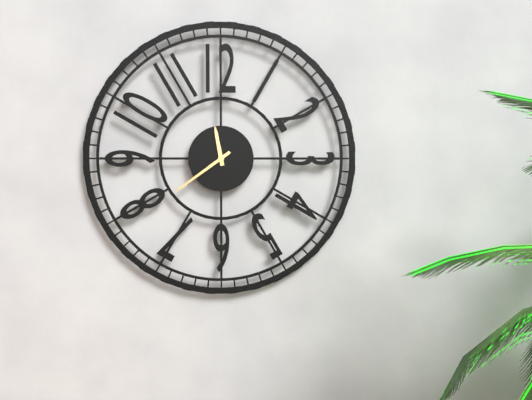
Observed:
11.39
